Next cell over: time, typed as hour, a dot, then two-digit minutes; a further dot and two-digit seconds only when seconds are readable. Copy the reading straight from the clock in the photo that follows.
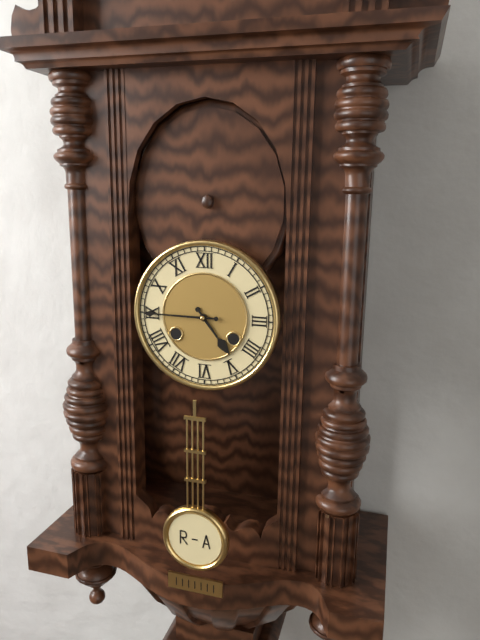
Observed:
4.45
